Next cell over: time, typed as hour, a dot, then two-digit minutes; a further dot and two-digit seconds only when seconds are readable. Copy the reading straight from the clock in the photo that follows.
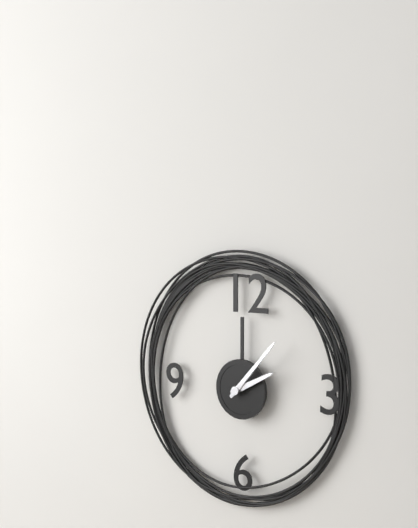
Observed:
2.07
